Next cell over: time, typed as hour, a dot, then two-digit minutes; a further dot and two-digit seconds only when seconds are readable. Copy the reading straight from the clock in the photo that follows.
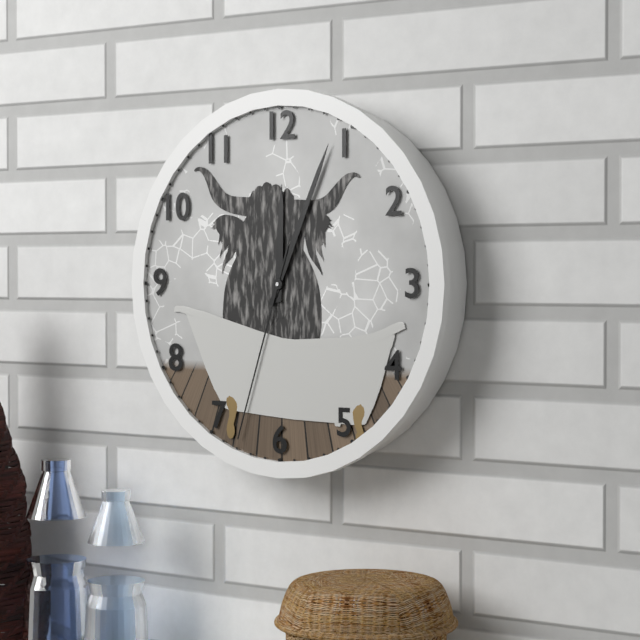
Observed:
12.04.33
